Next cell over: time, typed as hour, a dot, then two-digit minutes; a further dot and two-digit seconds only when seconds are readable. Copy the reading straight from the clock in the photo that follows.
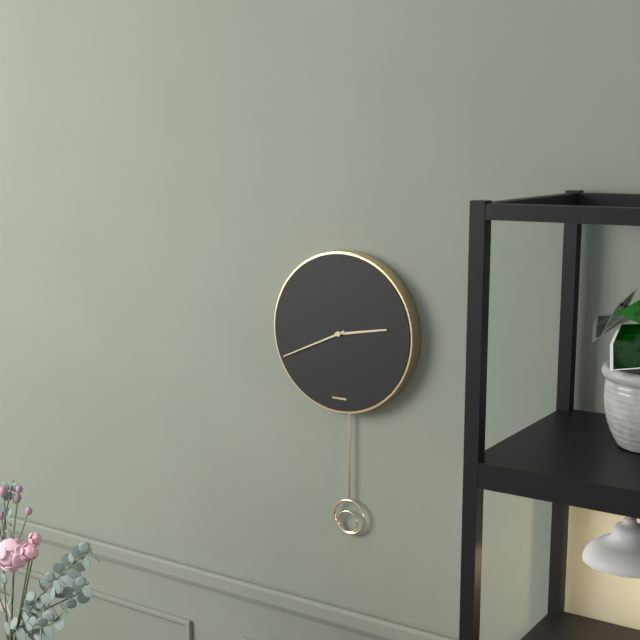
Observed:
2.41
